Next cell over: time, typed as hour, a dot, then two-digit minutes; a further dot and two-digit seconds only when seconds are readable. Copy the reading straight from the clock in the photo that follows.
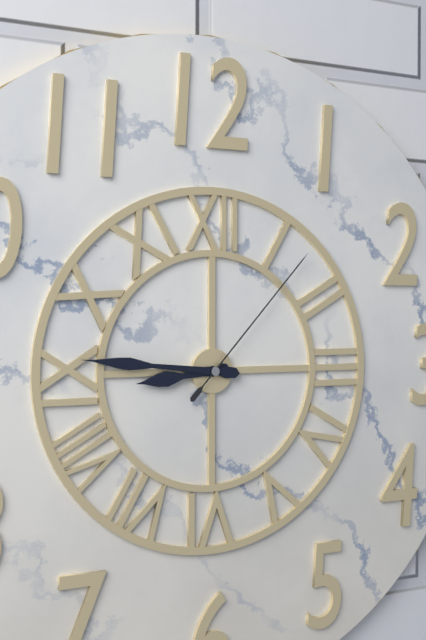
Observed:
8.46.07
